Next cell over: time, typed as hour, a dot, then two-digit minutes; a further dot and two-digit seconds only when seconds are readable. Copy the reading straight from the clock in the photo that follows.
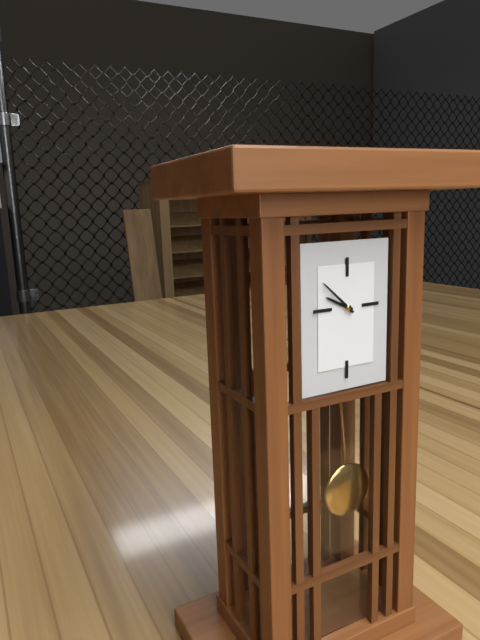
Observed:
9.52
